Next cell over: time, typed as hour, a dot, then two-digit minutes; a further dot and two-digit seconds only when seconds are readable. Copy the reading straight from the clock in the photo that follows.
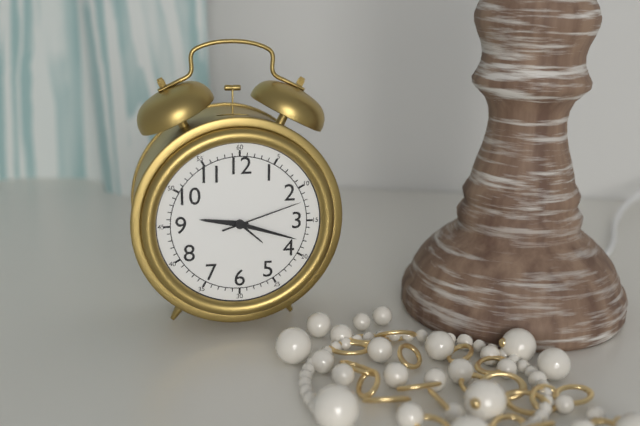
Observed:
9.18.12
